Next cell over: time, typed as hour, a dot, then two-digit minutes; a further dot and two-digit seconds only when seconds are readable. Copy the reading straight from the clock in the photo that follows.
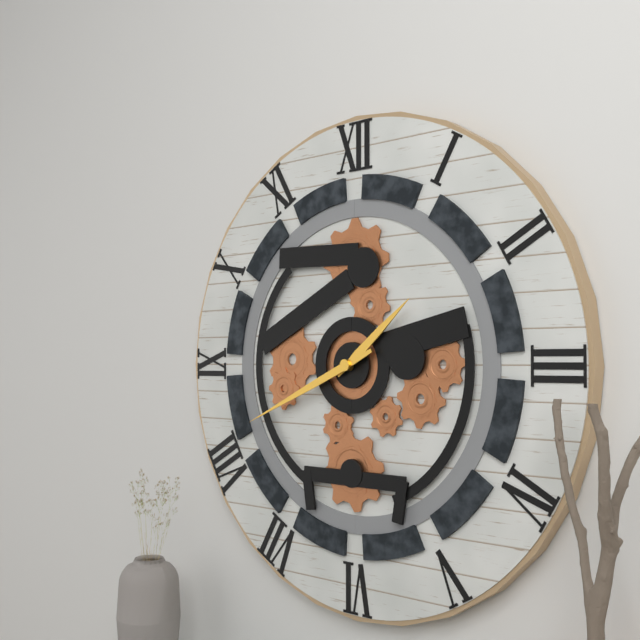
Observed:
1.41
